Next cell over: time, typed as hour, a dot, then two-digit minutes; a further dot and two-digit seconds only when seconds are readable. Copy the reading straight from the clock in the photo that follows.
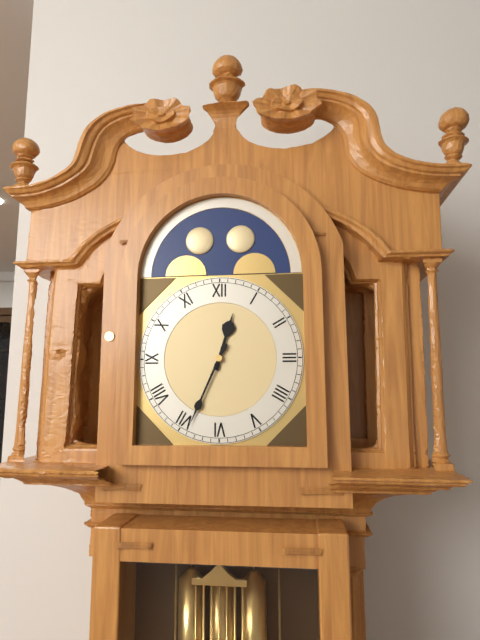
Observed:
12.34
